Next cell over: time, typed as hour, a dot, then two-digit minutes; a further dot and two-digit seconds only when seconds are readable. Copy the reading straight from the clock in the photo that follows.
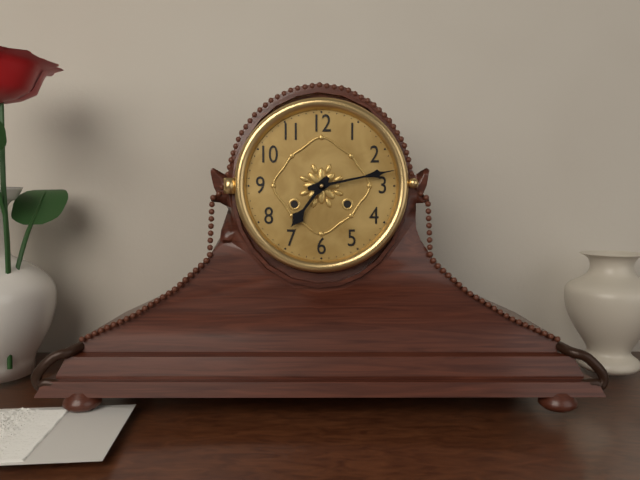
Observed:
7.13
